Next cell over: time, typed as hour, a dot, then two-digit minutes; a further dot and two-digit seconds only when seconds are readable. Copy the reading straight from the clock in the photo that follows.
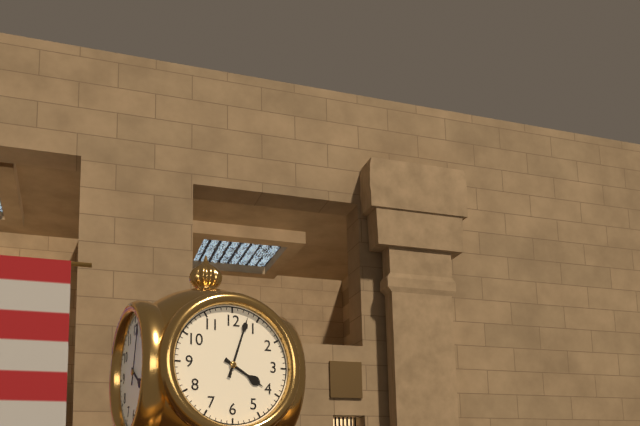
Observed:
4.03
